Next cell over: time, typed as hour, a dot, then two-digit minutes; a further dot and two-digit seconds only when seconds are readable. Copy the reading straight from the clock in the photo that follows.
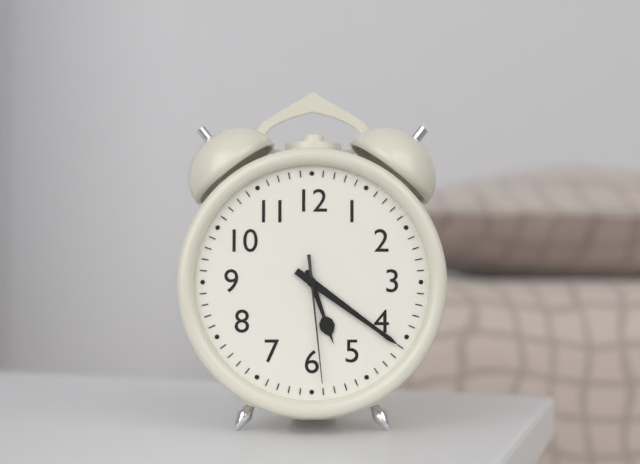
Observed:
5.21.29
